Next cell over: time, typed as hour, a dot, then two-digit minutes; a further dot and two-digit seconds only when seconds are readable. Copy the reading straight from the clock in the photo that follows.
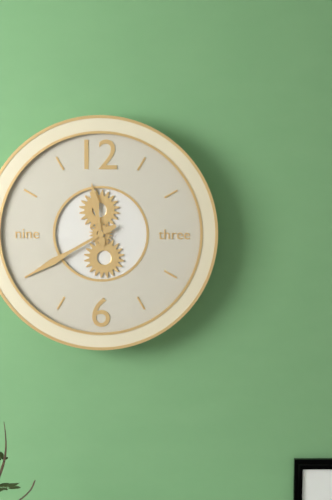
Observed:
11.40
